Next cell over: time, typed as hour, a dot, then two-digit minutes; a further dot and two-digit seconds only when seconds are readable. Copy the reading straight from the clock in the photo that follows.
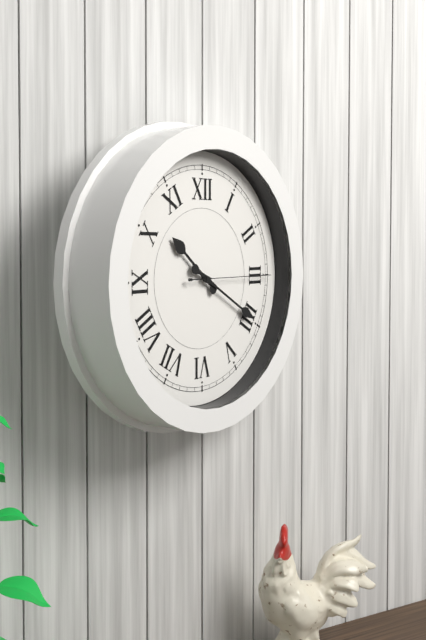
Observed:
10.20.15
